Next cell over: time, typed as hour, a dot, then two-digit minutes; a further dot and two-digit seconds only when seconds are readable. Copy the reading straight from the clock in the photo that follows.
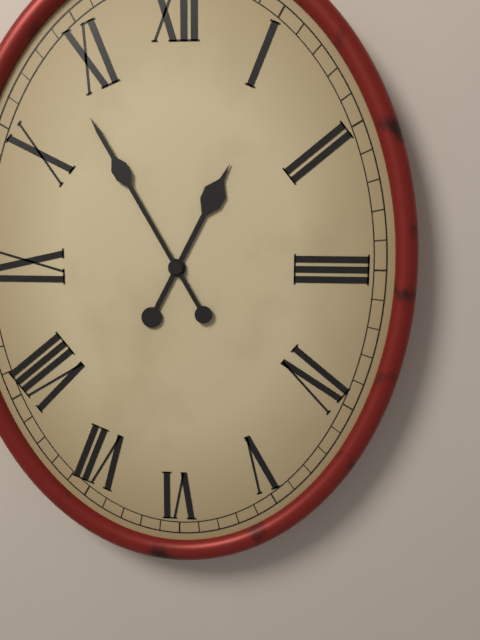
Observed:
12.55
